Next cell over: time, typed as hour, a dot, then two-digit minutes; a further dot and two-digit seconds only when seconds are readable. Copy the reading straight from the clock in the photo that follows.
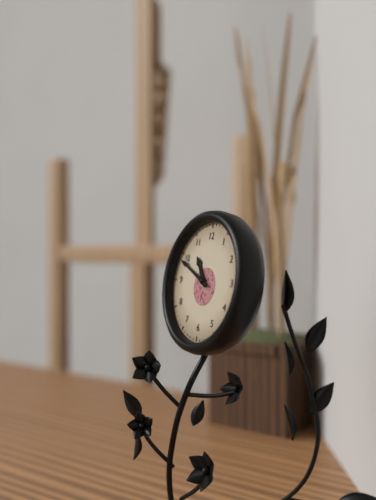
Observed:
10.49
